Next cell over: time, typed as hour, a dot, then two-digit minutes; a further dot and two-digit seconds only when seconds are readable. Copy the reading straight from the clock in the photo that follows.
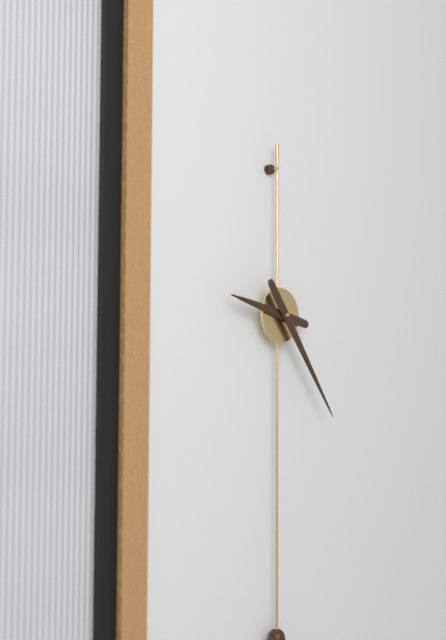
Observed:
9.24
